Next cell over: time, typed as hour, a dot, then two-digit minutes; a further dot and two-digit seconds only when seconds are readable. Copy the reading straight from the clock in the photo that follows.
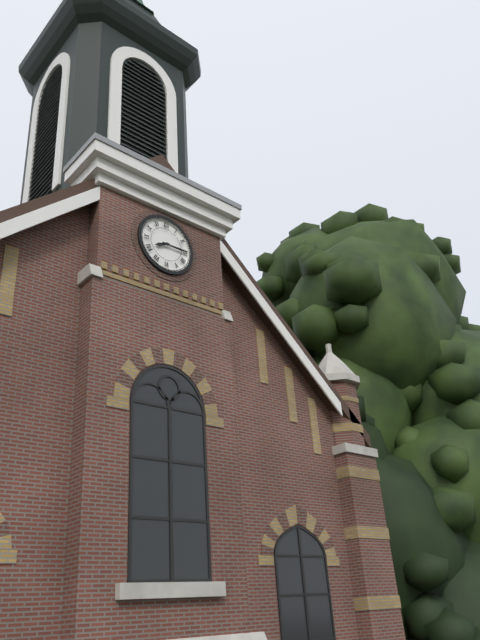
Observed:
8.15
